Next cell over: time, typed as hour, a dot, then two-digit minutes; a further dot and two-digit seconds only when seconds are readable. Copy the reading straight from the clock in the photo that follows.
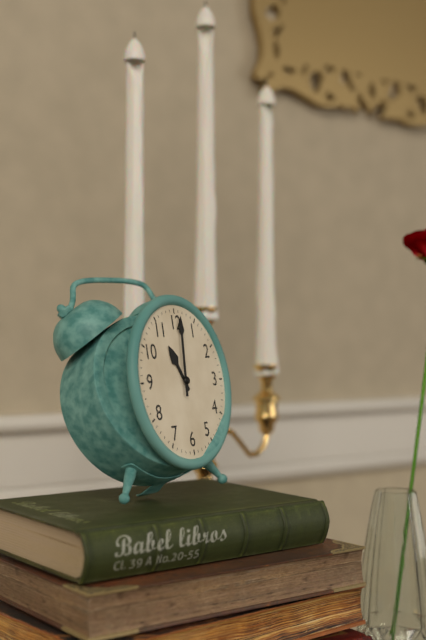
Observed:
11.01
